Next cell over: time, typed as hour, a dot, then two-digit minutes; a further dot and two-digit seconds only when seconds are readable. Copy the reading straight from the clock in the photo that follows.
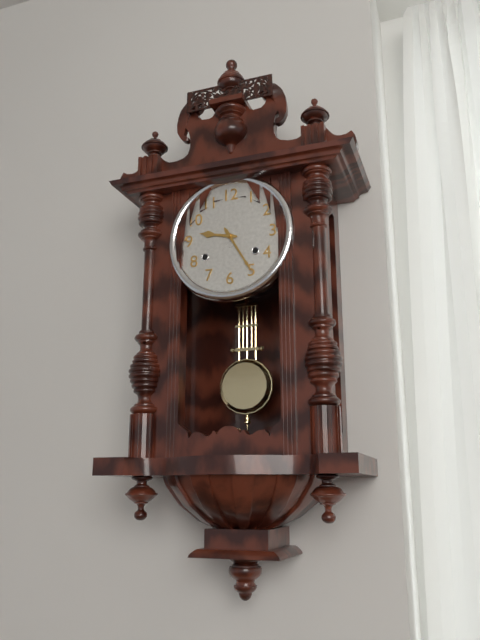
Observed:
9.25
